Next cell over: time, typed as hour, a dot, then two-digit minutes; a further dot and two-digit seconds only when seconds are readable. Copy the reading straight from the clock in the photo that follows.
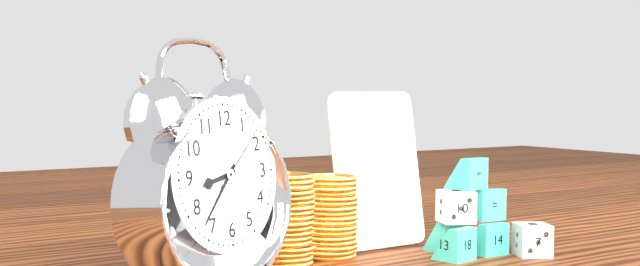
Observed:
8.37.08
